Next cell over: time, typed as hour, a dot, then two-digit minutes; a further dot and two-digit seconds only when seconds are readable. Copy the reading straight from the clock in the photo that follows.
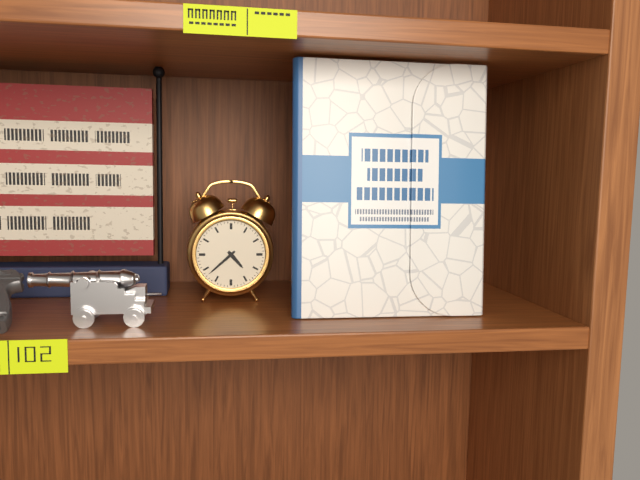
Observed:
4.38
